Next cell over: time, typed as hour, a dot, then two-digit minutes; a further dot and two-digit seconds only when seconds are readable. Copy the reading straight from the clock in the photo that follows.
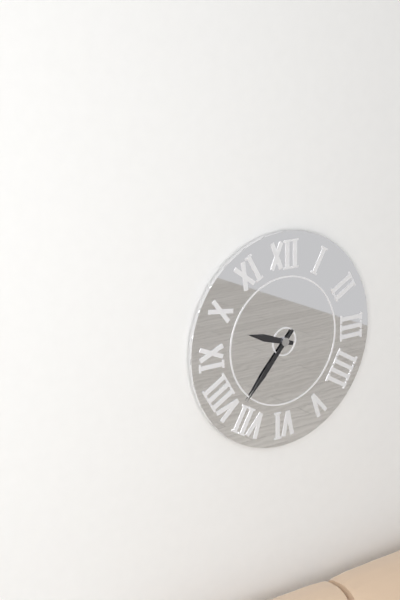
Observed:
9.37
